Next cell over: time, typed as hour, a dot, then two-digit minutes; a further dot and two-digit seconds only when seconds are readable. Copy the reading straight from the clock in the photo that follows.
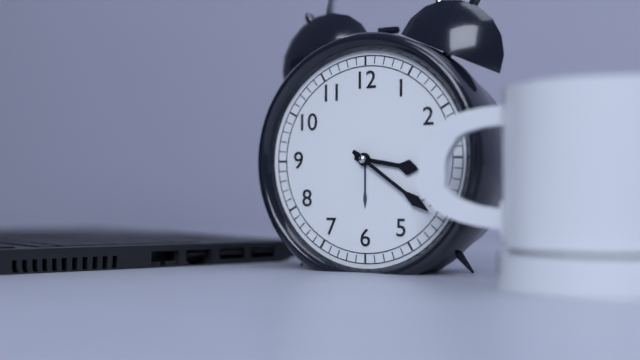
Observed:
3.21
